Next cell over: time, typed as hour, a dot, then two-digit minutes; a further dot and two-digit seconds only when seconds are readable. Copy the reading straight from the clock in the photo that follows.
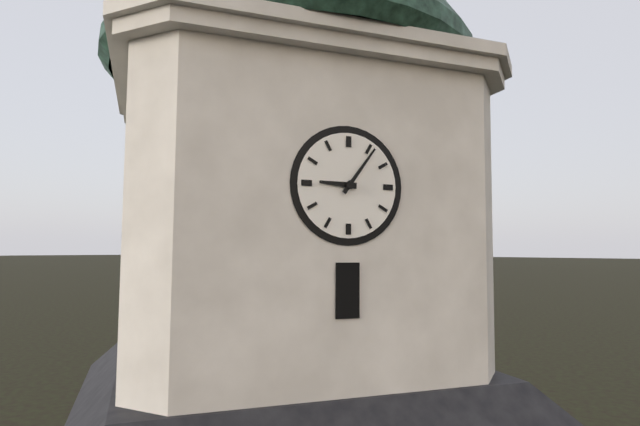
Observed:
9.06
